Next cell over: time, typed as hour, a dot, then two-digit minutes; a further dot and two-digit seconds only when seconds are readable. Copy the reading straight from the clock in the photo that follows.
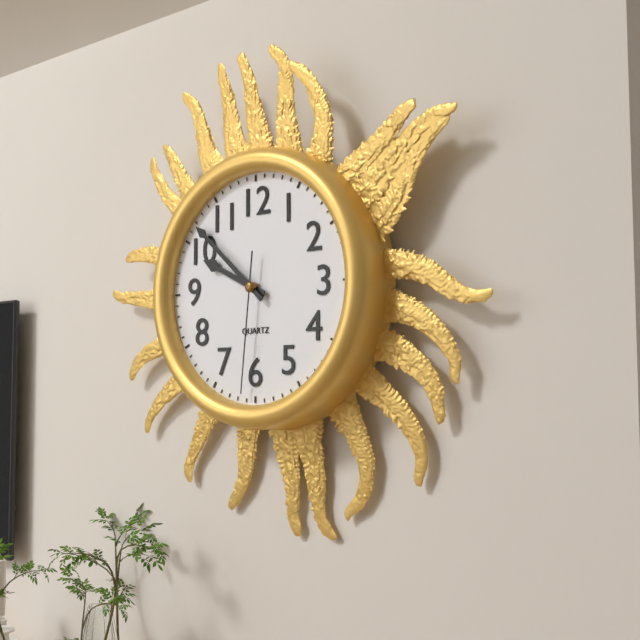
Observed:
9.52.31
